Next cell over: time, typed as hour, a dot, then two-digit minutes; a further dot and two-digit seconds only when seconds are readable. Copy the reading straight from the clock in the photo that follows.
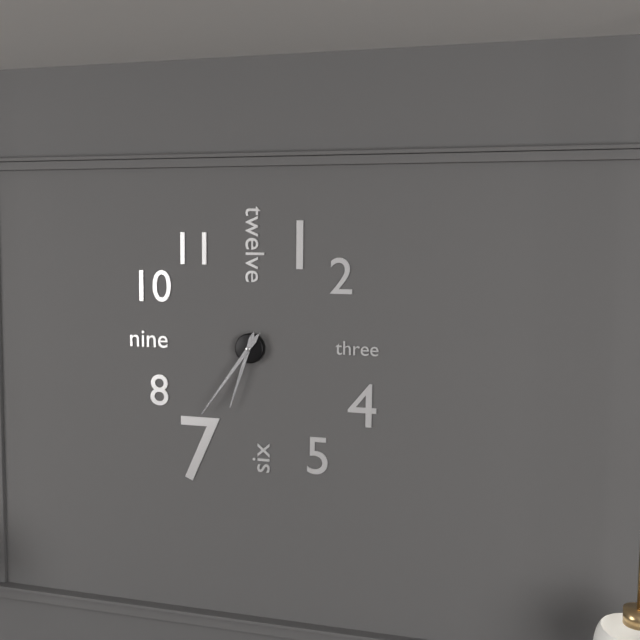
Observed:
6.36
